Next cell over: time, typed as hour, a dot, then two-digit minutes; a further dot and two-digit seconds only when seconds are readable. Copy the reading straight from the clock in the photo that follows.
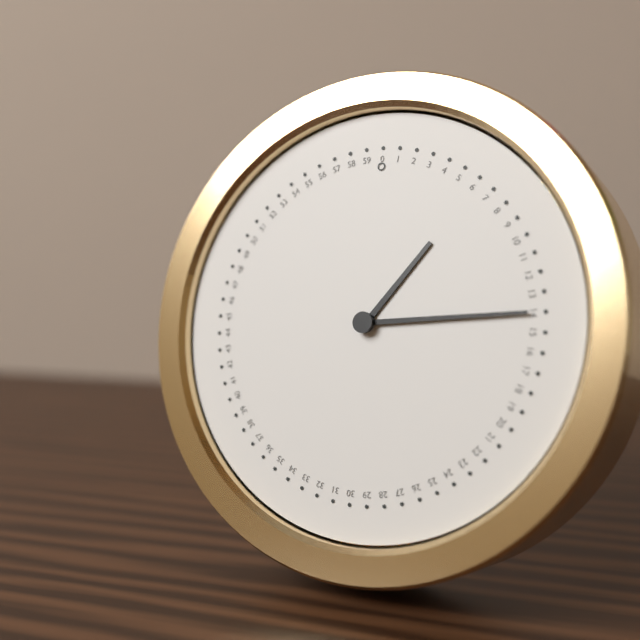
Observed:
1.14
